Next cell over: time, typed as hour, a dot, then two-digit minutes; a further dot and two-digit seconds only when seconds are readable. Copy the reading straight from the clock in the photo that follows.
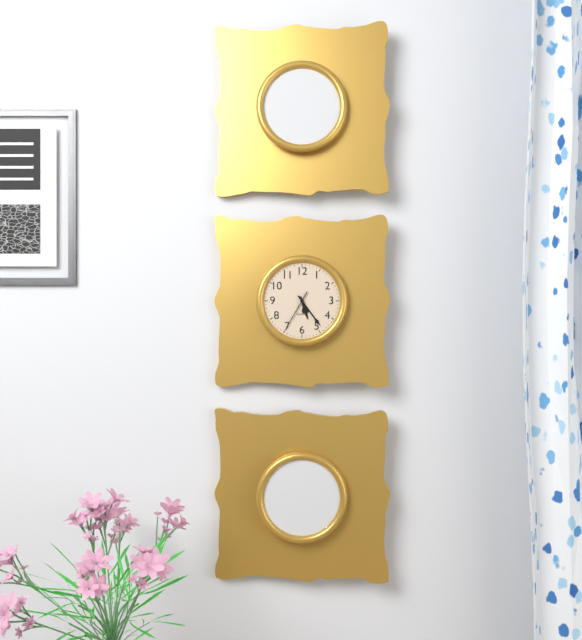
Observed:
5.24
